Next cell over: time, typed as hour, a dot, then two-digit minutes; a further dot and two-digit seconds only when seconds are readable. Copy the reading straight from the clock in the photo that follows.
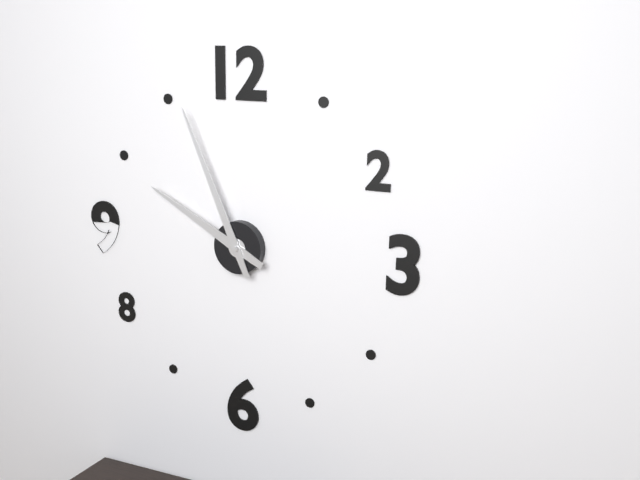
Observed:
9.56
